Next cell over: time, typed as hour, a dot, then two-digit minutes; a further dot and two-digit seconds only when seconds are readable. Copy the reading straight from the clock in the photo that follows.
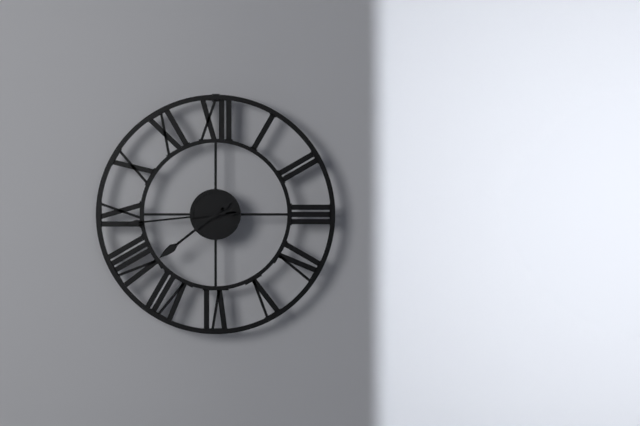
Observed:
7.44
